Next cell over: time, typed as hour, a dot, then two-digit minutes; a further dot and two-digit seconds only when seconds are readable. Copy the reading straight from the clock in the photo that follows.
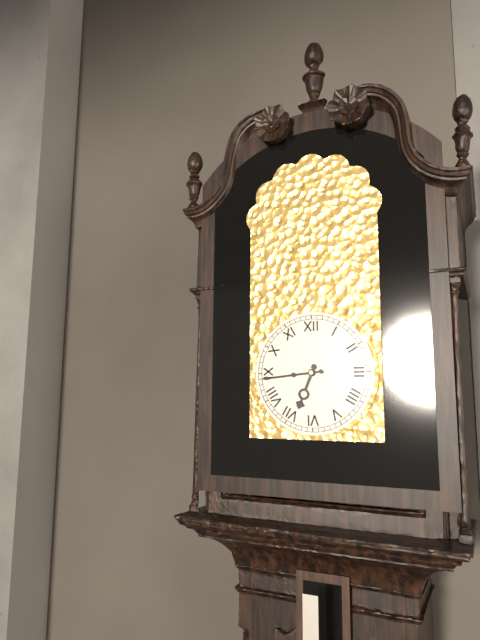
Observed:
6.44
